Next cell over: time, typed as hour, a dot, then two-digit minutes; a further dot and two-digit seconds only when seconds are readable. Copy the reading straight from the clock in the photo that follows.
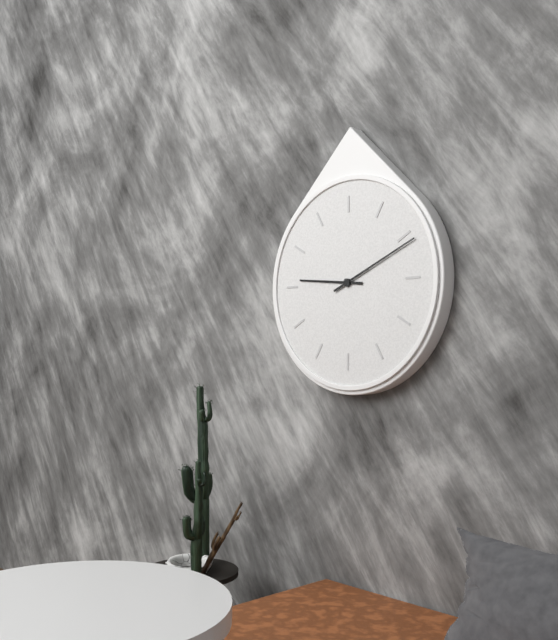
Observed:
9.11
